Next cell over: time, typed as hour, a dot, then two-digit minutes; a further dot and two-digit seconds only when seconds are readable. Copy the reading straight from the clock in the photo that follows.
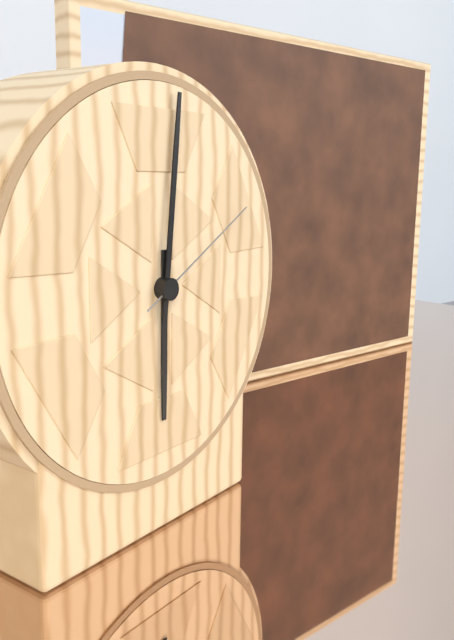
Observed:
6.01.10
